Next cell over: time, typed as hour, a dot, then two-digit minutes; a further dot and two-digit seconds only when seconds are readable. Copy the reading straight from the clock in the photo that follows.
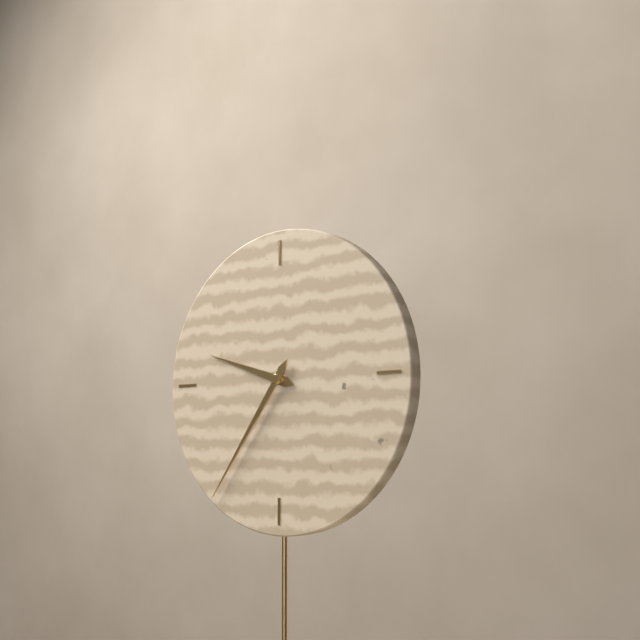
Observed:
9.36
